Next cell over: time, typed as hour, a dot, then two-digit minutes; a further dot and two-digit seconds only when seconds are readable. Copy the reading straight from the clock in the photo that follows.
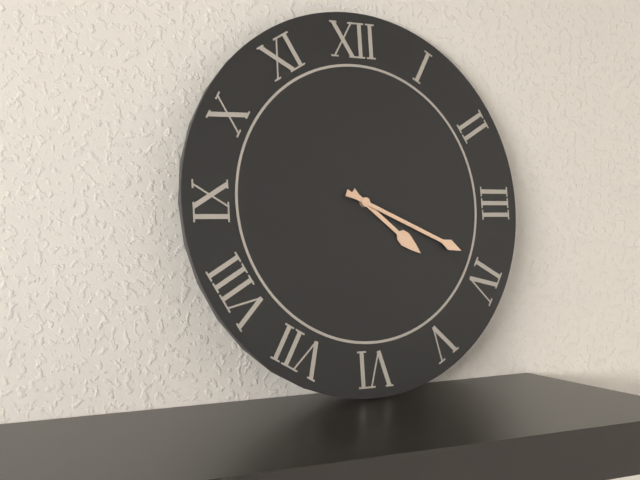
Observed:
4.19
